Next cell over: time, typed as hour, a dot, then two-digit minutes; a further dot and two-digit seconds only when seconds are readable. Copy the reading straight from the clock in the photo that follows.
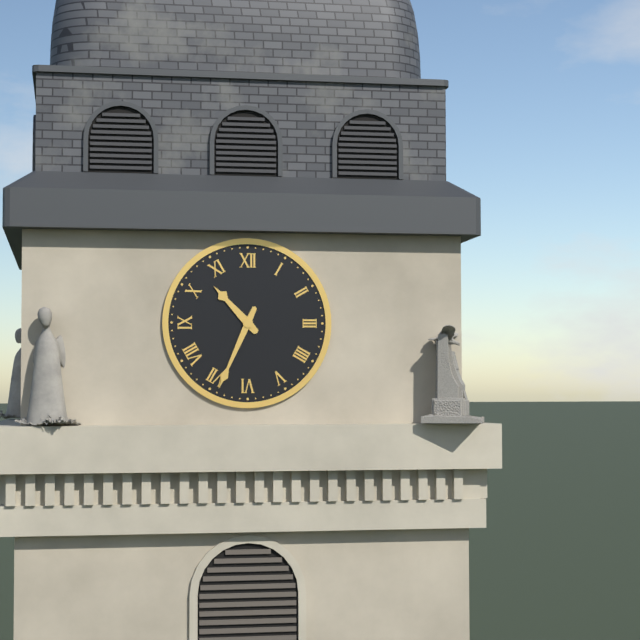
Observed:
10.34
